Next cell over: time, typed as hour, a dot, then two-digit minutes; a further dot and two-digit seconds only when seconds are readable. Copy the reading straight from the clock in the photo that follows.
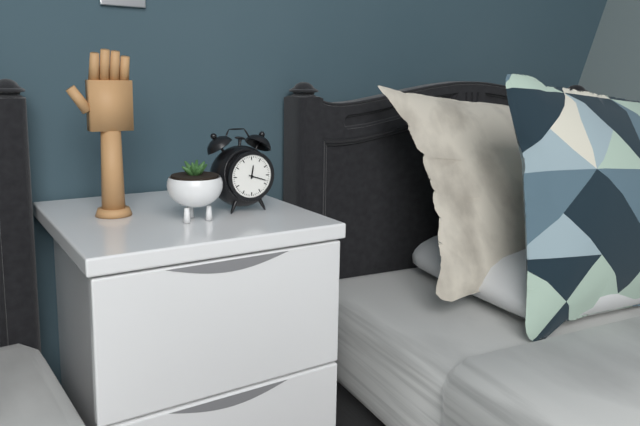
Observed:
12.18
